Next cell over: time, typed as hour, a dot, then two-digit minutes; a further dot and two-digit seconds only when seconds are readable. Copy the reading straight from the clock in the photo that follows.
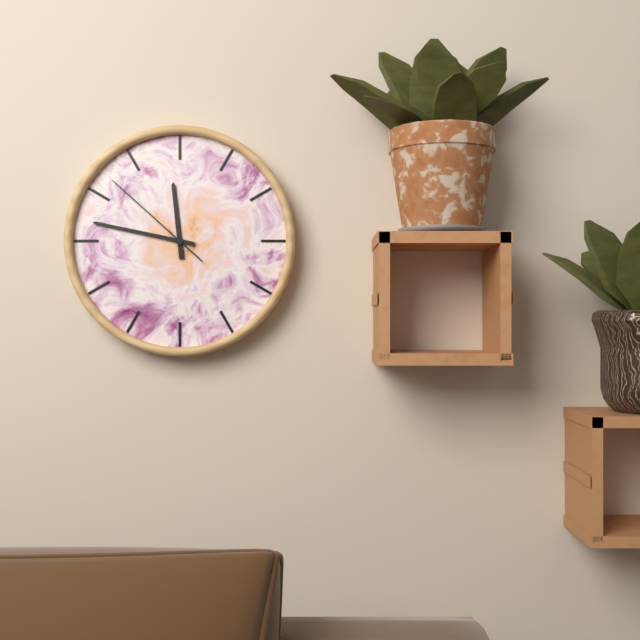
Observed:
11.47.52
